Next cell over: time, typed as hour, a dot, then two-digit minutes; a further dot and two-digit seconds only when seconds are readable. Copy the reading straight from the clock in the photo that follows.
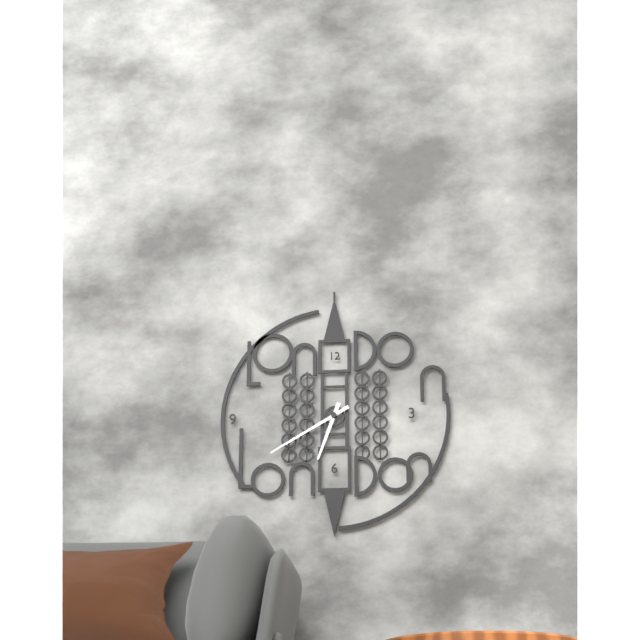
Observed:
6.40
